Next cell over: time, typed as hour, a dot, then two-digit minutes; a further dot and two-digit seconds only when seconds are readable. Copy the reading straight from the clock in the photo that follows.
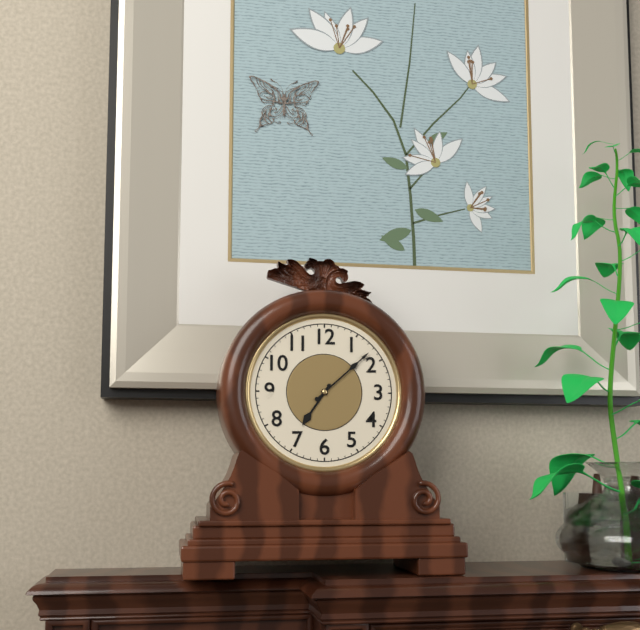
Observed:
7.08
